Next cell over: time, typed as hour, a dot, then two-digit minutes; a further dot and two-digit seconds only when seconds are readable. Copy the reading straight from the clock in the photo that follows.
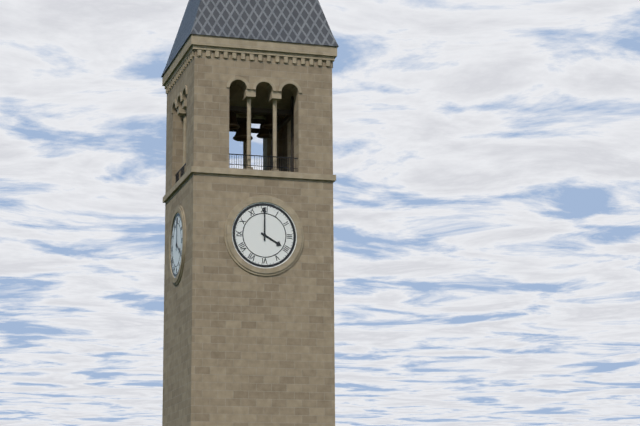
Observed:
4.00
